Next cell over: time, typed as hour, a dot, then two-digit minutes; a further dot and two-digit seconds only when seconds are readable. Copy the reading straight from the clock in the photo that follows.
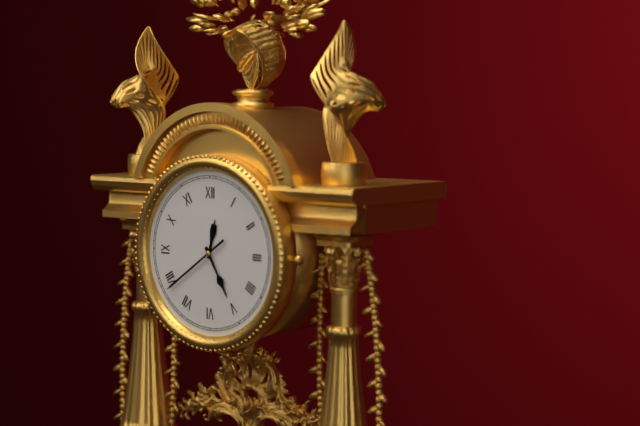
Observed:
12.25.39
